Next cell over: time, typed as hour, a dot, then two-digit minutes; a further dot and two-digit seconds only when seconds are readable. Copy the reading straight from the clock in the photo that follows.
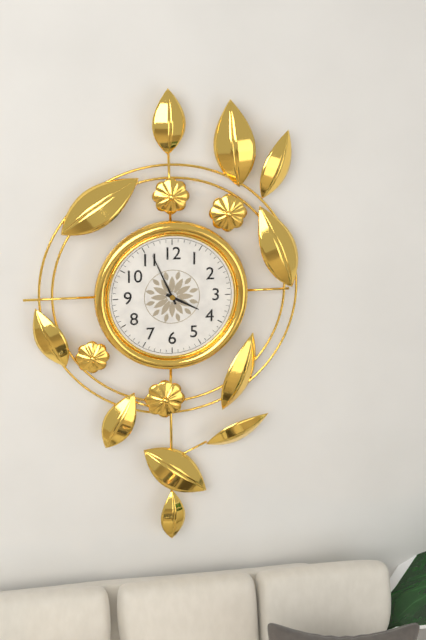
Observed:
3.56
